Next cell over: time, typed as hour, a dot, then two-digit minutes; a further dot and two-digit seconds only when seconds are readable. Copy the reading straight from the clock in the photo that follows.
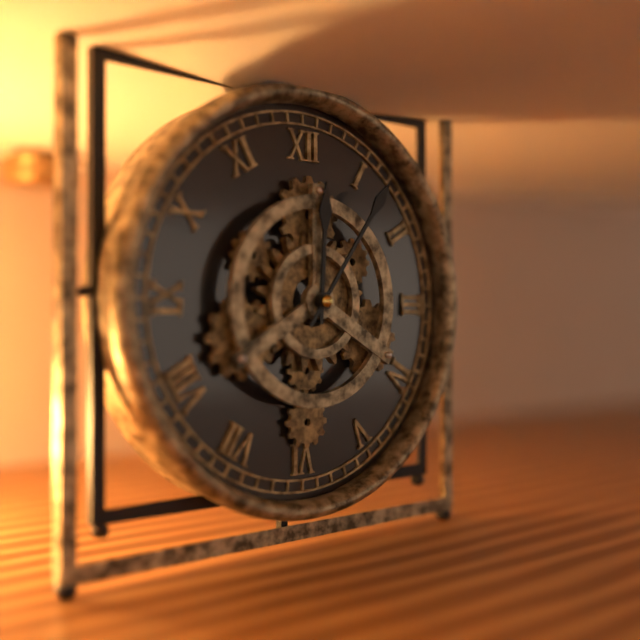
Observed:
12.06
